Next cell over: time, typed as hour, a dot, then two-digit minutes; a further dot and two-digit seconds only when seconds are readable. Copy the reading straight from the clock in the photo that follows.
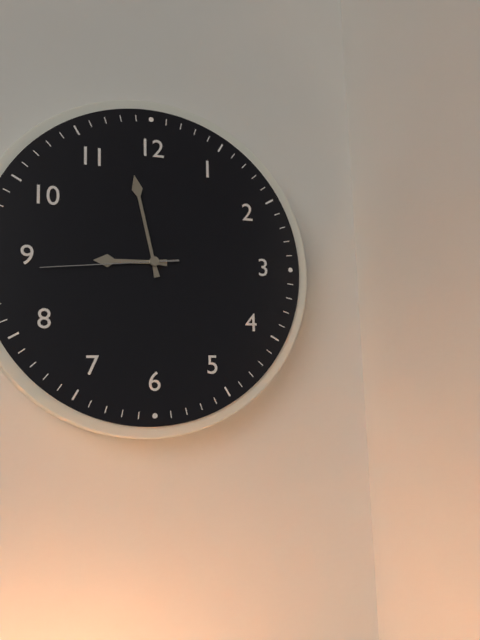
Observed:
8.58.44
